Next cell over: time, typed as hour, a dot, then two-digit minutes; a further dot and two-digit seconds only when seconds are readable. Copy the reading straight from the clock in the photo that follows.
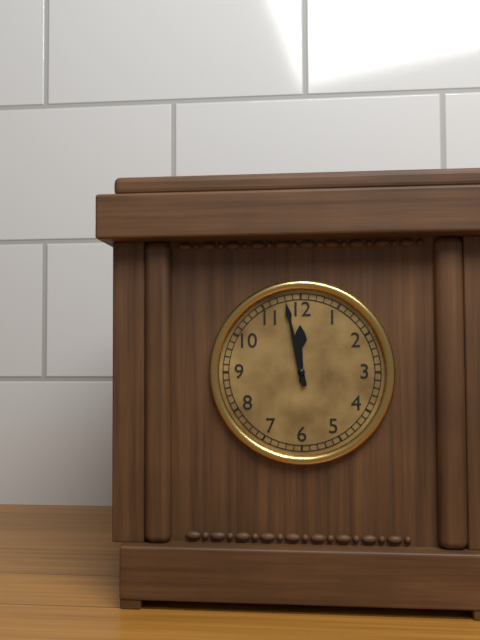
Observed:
11.58
